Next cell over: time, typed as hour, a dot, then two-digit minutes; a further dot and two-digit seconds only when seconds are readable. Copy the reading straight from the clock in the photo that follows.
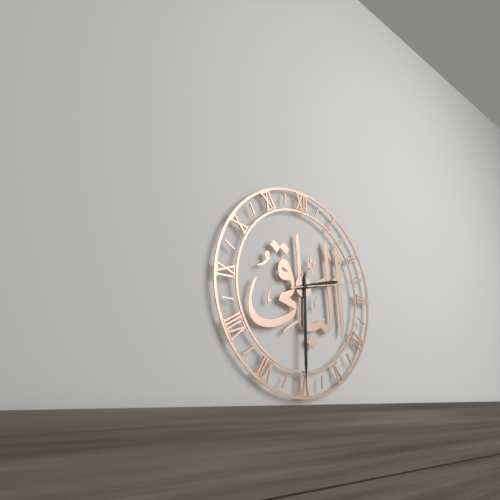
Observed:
2.30.13
